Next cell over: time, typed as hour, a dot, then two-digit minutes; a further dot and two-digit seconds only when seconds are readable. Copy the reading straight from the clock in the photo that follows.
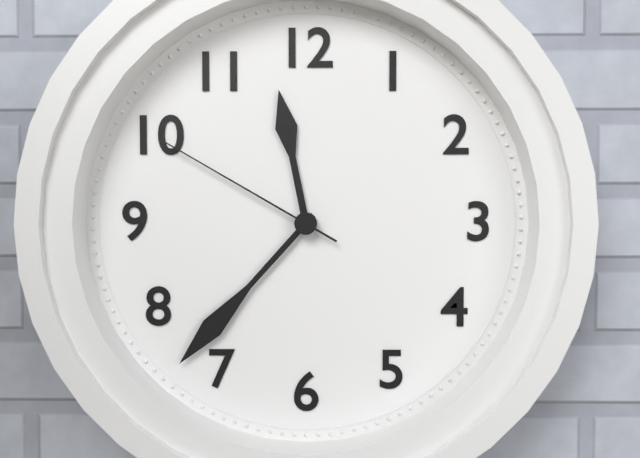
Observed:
11.37.50
